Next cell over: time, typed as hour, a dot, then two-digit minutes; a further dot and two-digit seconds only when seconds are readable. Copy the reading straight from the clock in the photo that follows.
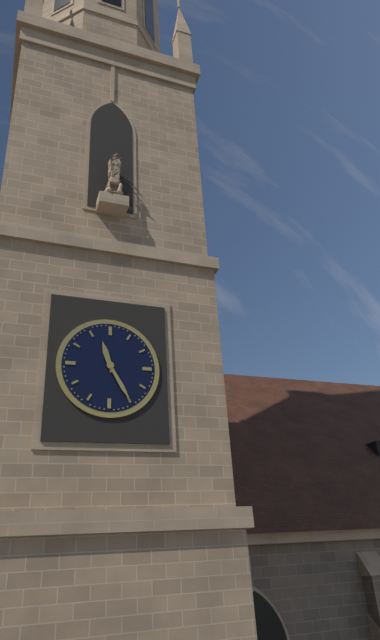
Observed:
11.25
